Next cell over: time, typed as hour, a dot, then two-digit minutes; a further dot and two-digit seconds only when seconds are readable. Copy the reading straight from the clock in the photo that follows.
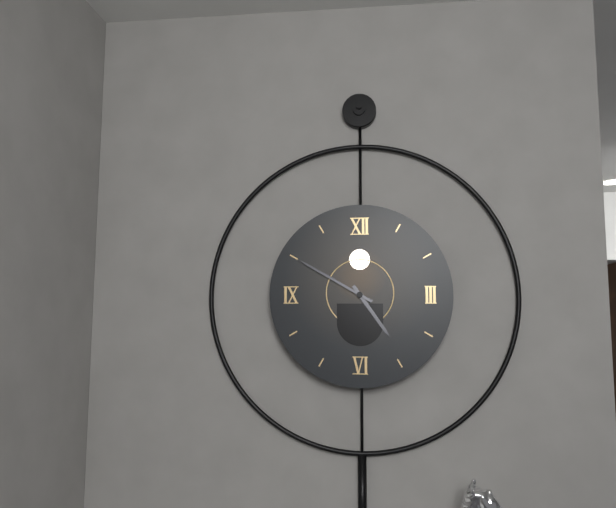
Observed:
4.50
